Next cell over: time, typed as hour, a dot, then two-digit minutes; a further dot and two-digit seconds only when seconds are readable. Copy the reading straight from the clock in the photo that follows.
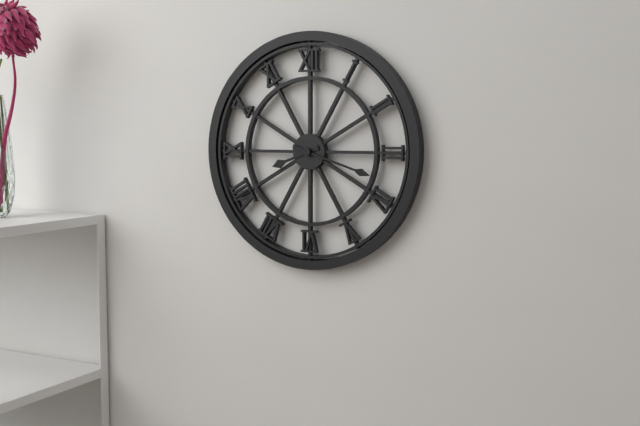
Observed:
8.18
